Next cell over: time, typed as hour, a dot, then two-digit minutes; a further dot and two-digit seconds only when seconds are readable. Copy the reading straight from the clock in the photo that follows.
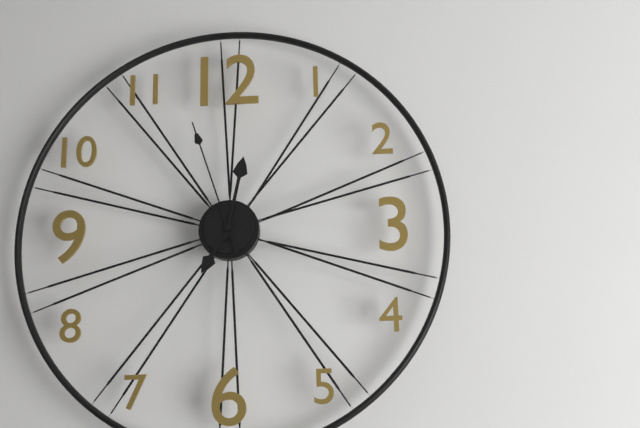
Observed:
7.02.57
